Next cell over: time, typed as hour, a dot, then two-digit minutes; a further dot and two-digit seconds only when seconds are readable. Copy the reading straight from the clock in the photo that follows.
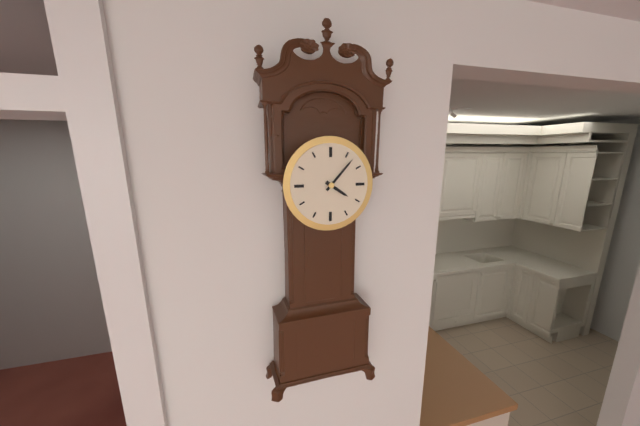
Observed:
4.07
